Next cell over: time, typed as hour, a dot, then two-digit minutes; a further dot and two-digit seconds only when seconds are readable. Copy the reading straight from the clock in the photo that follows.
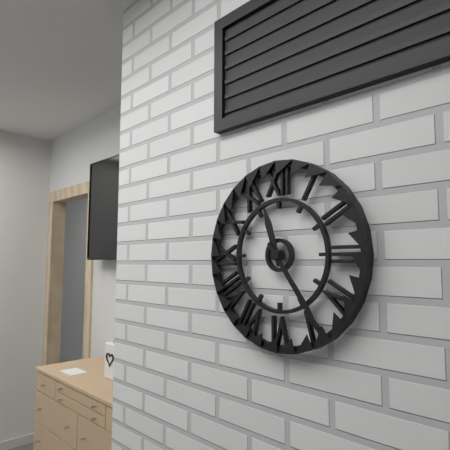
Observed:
11.24
